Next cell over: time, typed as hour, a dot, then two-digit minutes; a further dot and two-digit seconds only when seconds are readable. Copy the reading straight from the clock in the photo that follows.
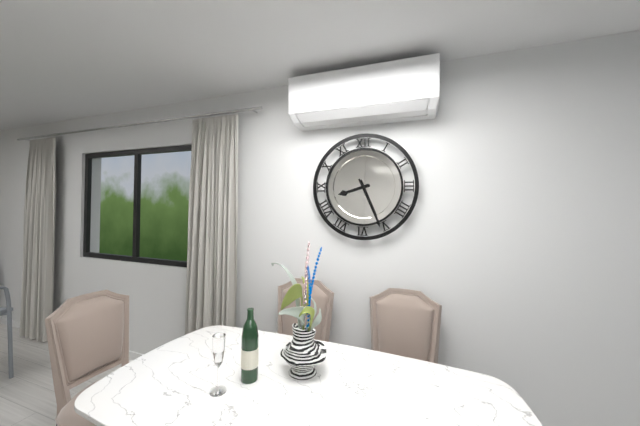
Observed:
8.26
